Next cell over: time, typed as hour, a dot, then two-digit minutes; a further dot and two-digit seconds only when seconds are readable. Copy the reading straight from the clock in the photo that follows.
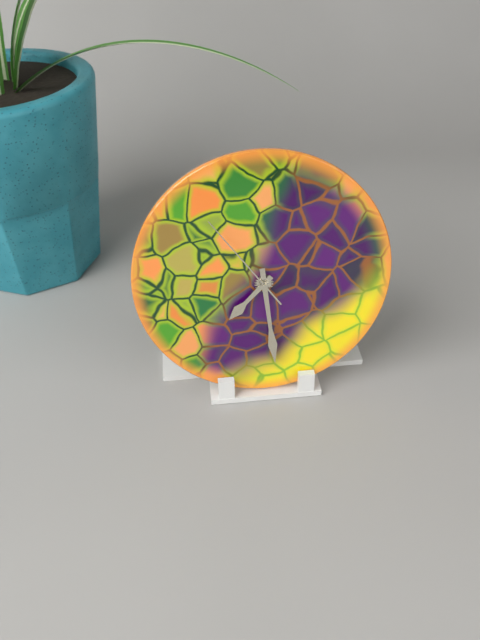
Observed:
7.29.54
